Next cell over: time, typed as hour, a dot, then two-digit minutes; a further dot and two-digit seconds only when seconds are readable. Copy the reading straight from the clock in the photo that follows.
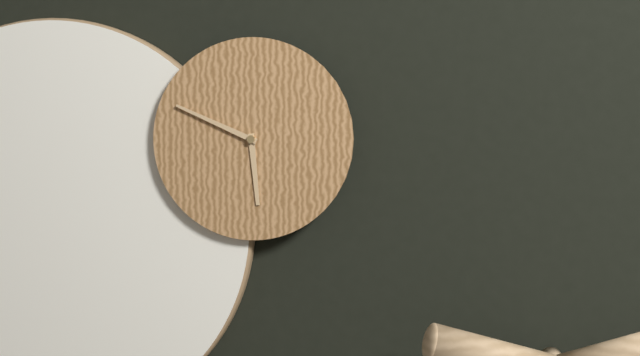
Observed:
5.49
